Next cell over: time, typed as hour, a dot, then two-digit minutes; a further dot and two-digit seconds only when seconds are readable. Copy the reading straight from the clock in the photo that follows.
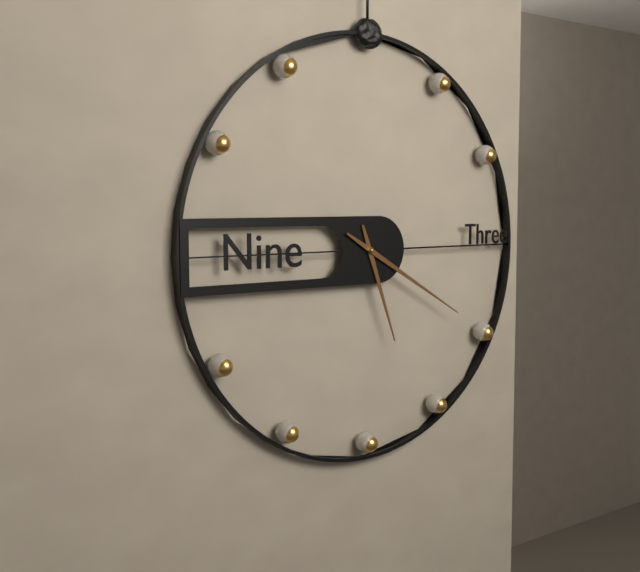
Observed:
5.20
